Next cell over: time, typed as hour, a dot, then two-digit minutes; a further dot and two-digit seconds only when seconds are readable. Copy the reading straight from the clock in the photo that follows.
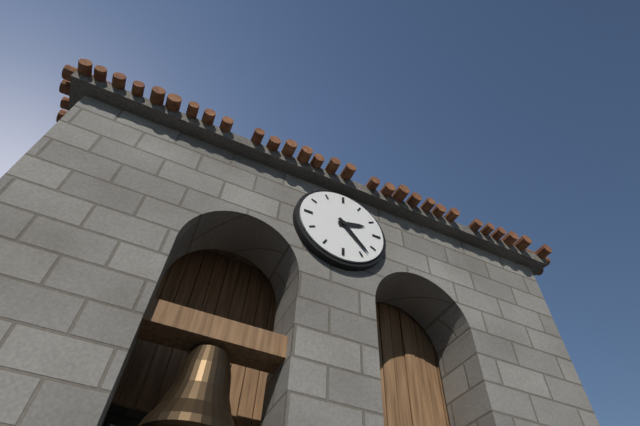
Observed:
2.23
